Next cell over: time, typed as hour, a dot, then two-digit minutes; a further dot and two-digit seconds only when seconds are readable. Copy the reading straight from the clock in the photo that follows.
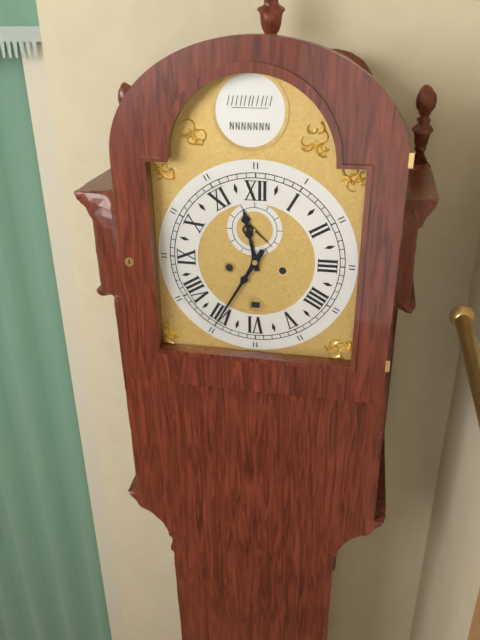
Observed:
11.35
